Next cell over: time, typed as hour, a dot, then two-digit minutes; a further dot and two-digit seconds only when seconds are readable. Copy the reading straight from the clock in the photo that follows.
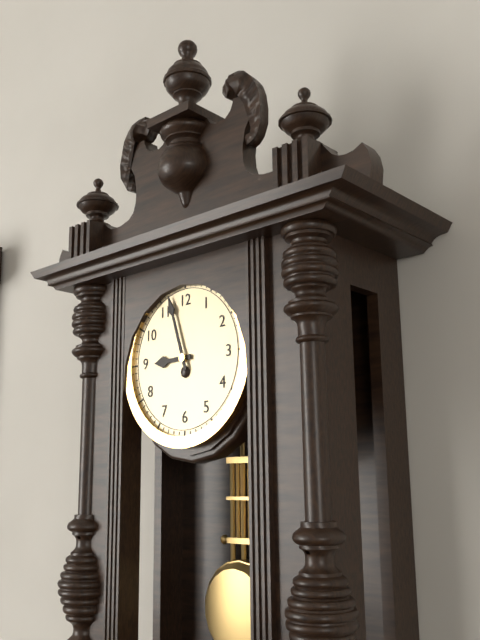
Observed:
8.57
